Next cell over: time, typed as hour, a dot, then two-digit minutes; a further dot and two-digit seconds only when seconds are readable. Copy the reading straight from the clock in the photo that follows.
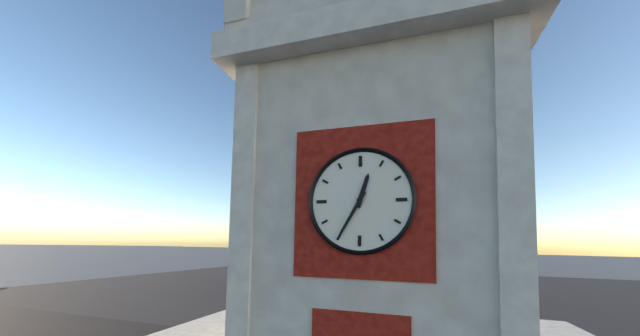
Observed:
12.35
